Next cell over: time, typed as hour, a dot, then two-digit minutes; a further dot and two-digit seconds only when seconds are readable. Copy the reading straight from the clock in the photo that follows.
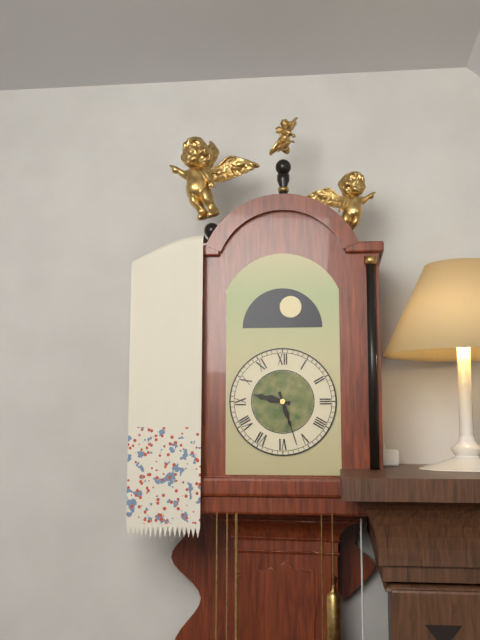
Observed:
9.27
